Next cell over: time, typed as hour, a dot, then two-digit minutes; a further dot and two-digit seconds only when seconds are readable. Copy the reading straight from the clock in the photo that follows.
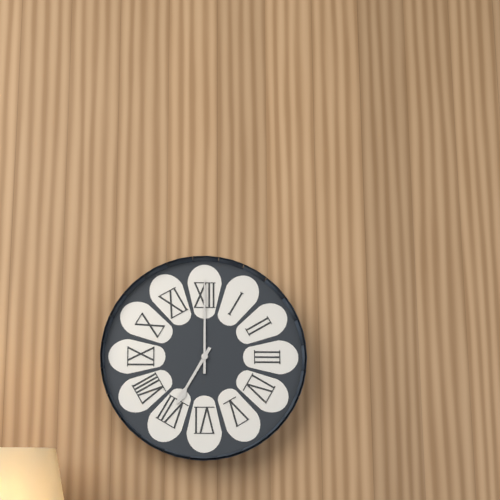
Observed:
7.00
